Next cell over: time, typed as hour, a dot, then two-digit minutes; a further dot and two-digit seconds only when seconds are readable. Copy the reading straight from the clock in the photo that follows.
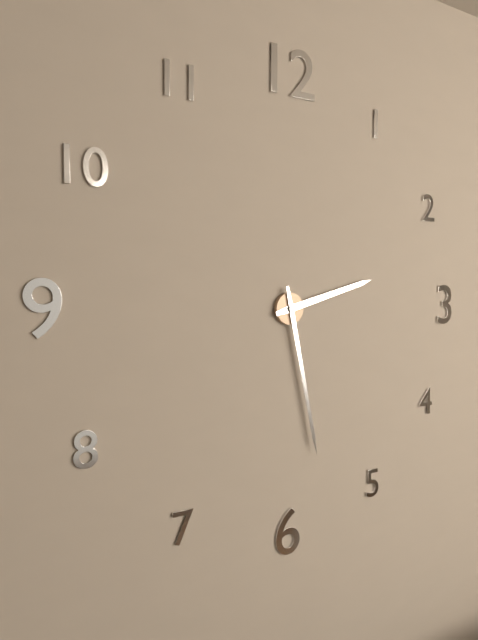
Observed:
2.28
